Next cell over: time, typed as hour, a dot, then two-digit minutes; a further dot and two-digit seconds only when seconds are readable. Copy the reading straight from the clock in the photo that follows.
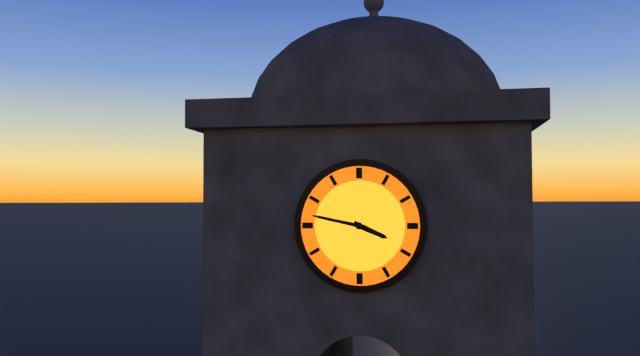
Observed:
3.47
